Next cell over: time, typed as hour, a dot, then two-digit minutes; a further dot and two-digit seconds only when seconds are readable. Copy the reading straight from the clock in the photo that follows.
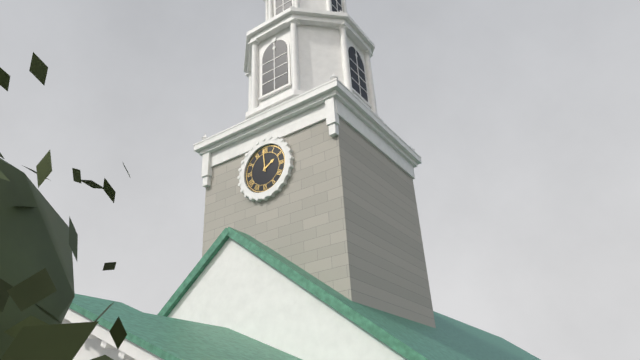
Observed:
1.59
